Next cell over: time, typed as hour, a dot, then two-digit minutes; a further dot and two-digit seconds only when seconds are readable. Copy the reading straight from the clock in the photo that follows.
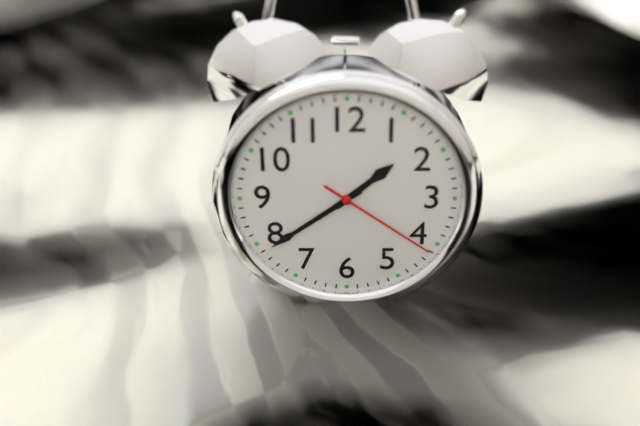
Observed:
1.39.21
